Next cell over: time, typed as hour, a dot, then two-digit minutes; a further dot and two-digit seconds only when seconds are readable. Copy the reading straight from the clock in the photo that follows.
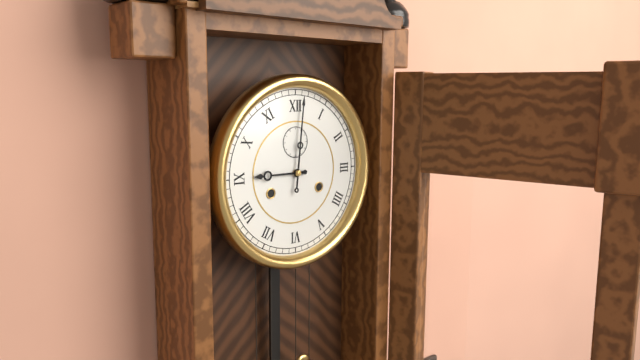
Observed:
9.01
